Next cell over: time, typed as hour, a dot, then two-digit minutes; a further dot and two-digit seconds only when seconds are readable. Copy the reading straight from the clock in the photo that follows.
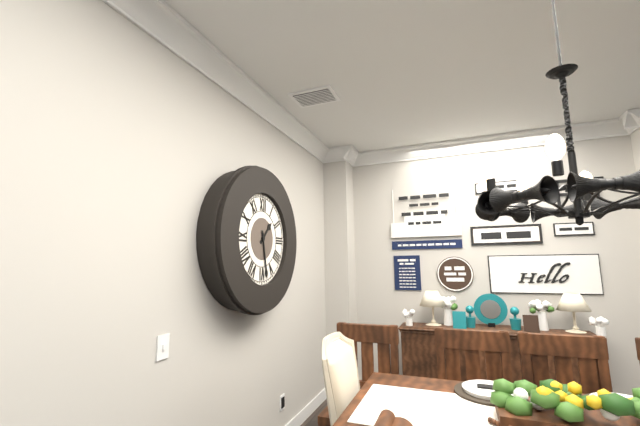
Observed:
1.28
